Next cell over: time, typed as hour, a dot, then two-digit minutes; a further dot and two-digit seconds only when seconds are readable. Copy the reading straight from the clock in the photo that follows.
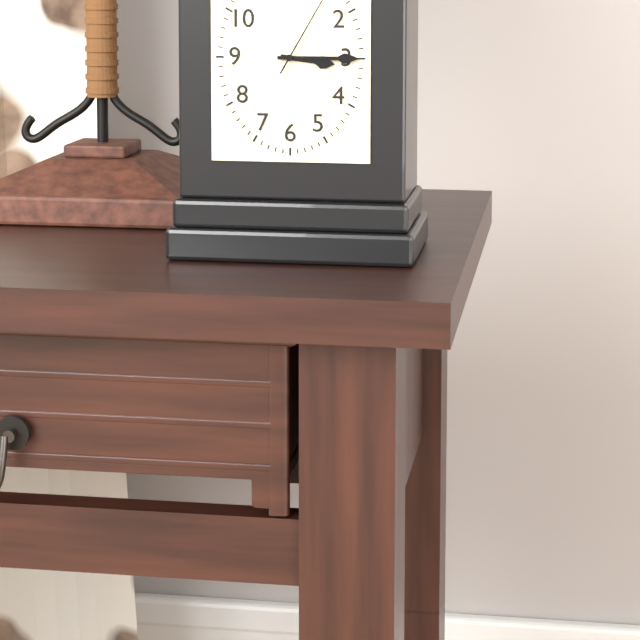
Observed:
3.15
